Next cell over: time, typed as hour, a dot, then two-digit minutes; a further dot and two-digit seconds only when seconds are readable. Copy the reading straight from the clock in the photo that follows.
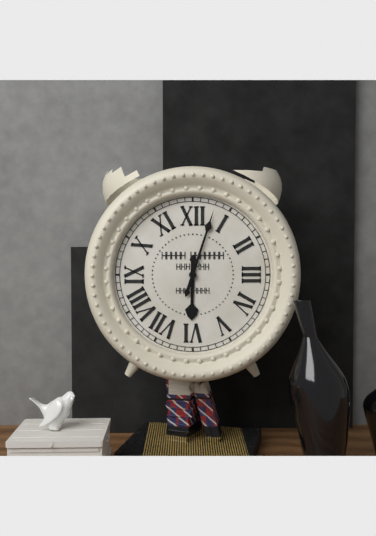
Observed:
6.03
